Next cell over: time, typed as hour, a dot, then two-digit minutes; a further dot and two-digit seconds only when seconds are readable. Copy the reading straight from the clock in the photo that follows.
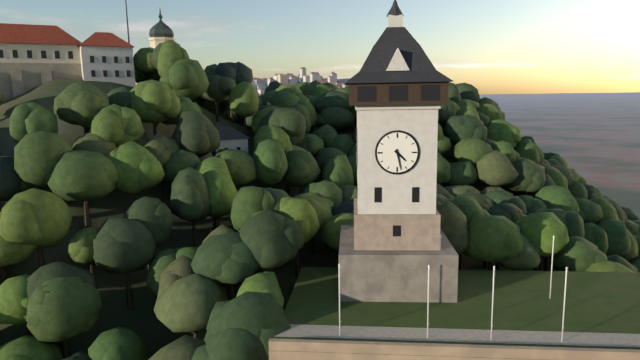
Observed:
4.28
